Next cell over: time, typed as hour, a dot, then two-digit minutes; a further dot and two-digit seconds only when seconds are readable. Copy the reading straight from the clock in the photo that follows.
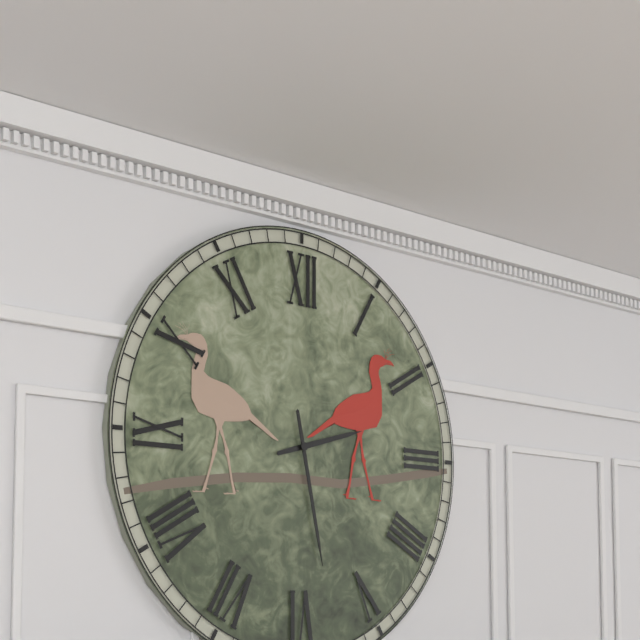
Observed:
2.28
